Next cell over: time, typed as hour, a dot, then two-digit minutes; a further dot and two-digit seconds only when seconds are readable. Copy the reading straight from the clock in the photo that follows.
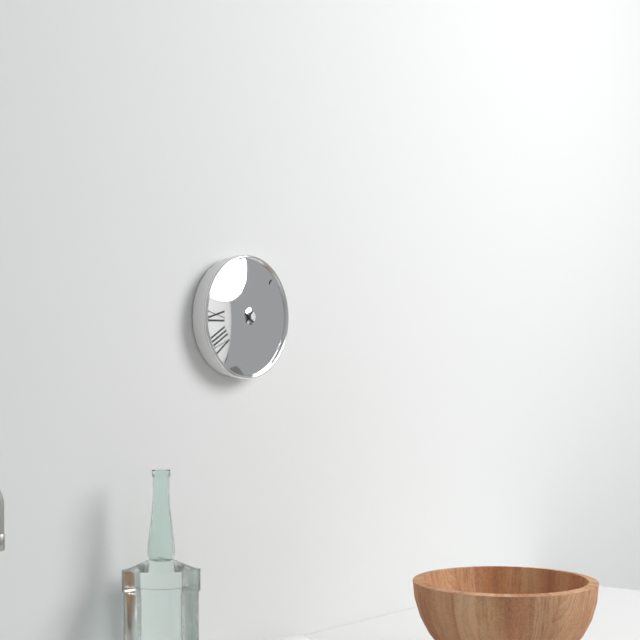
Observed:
4.07
